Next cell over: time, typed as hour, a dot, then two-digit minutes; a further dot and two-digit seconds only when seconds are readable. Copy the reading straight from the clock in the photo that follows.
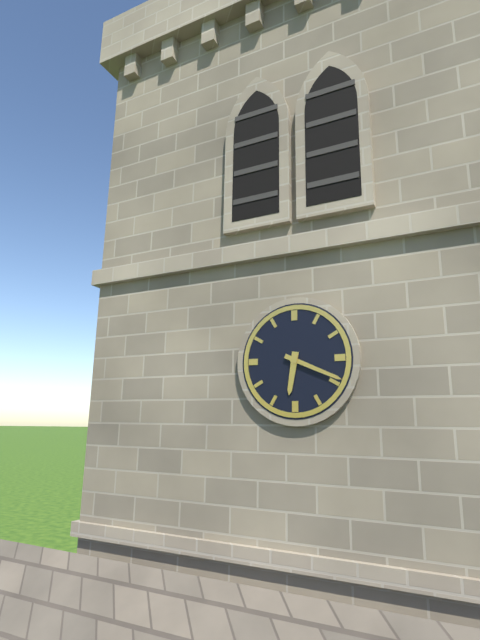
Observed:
6.19
